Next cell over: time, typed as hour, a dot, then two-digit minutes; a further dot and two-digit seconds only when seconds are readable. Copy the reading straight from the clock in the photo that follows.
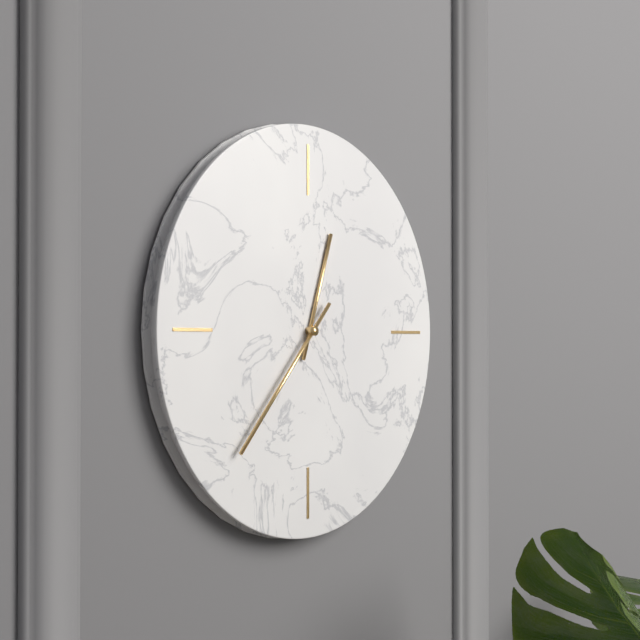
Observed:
12.37
